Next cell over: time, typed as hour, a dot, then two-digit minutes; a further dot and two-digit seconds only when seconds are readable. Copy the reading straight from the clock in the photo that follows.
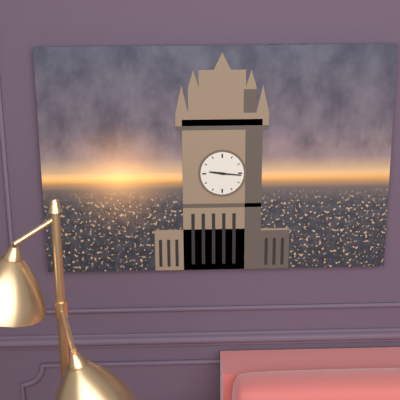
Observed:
9.16
